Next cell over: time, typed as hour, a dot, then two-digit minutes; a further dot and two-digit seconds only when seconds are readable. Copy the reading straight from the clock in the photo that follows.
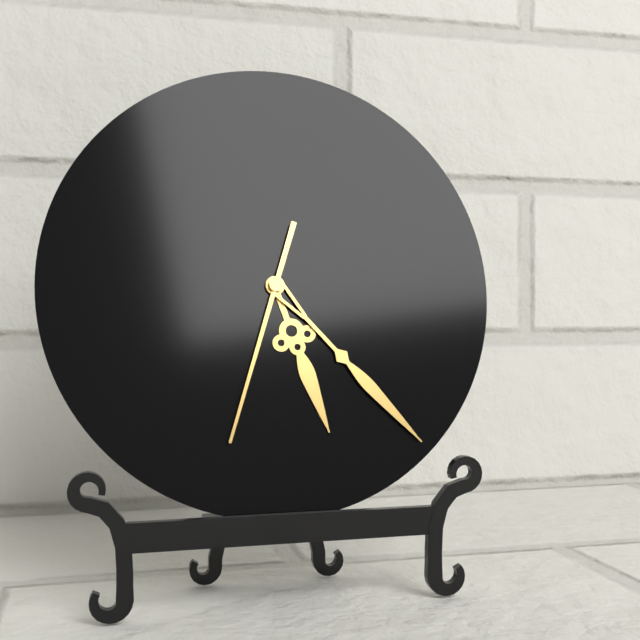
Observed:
5.23.33
